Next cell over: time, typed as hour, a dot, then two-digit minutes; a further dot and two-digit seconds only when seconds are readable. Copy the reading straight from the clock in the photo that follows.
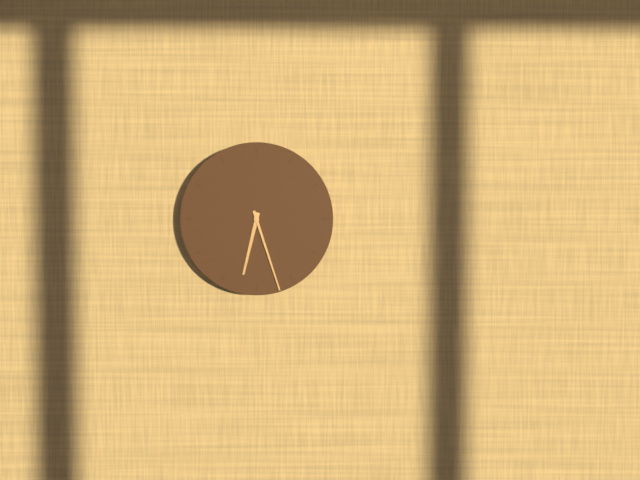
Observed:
6.27
